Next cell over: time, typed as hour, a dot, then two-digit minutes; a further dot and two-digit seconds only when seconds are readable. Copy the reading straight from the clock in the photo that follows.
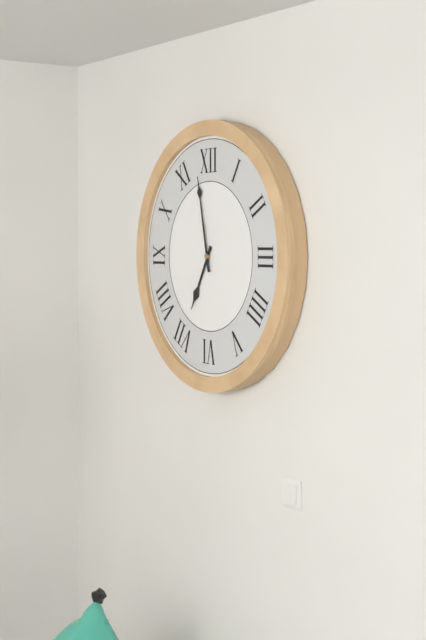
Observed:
6.58
